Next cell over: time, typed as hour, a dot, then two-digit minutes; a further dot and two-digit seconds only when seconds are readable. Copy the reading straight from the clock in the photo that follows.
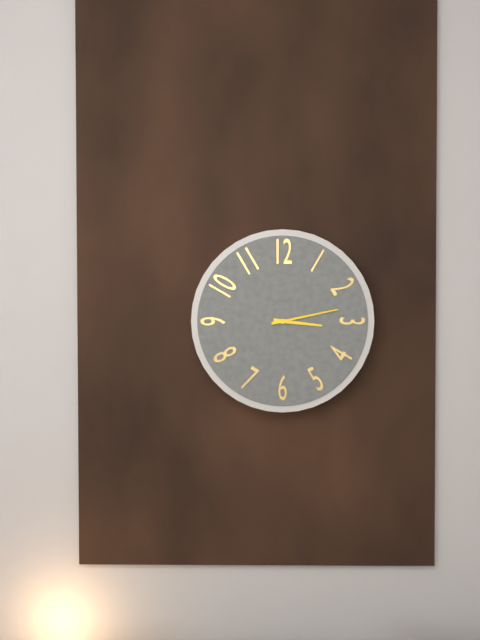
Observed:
3.13
